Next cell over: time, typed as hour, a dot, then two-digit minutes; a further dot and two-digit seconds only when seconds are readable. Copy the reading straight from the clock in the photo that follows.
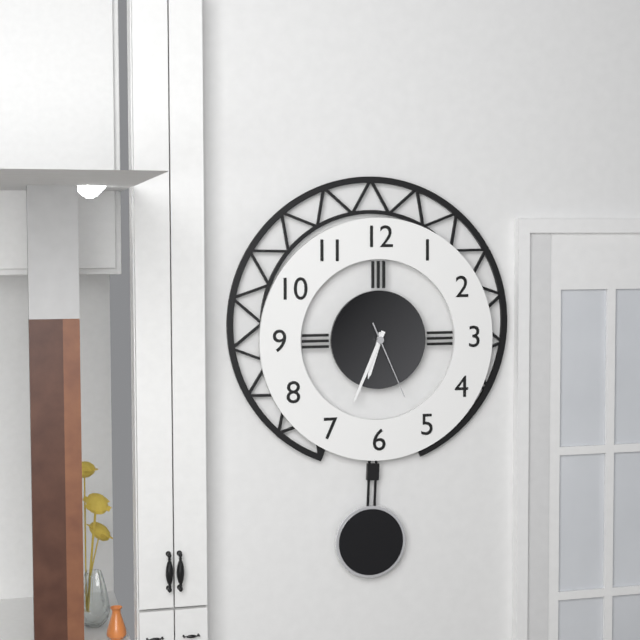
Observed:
6.34.26
